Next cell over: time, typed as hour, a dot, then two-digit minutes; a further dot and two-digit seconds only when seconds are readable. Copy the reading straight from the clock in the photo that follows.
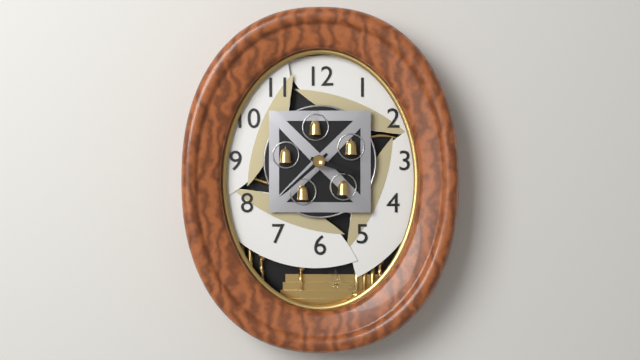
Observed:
3.38
